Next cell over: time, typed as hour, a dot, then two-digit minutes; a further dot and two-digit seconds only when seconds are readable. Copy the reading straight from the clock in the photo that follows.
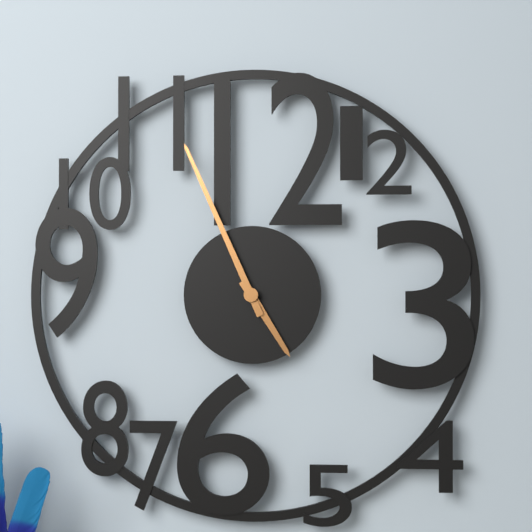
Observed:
4.56
